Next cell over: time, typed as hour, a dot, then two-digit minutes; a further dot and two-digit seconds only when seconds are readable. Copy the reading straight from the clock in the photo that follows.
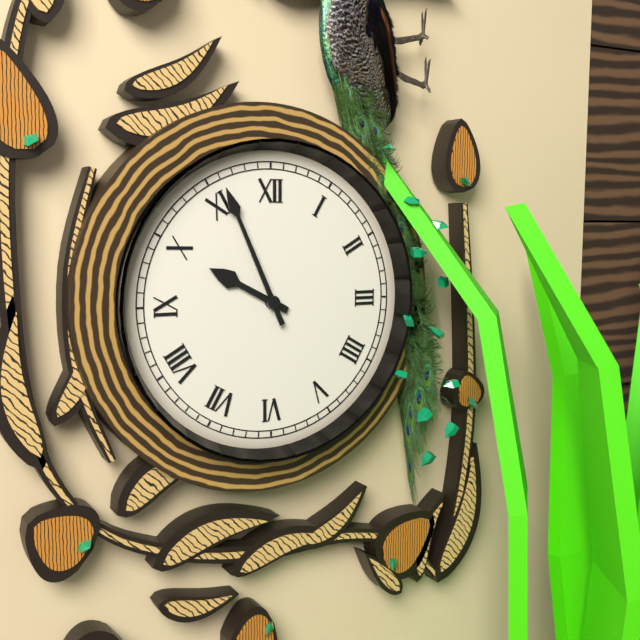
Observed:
9.56
